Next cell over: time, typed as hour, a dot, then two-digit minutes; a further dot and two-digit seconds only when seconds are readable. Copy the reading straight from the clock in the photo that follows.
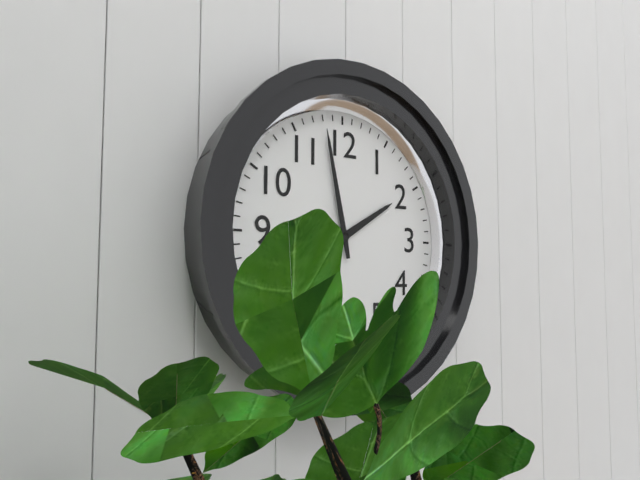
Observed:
1.58
